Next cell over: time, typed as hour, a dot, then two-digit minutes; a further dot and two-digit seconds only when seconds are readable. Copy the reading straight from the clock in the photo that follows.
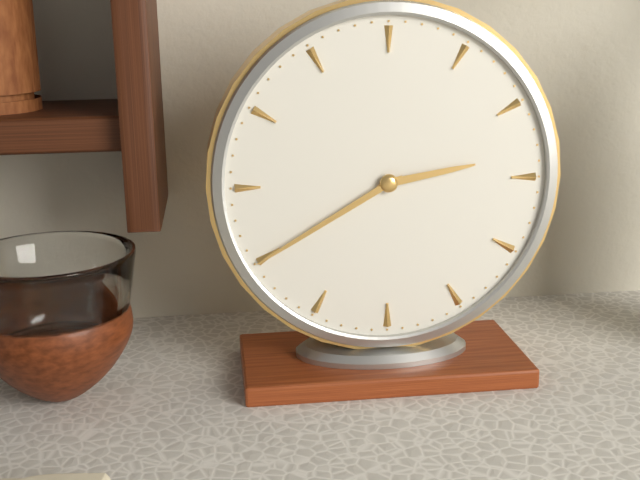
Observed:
2.40
